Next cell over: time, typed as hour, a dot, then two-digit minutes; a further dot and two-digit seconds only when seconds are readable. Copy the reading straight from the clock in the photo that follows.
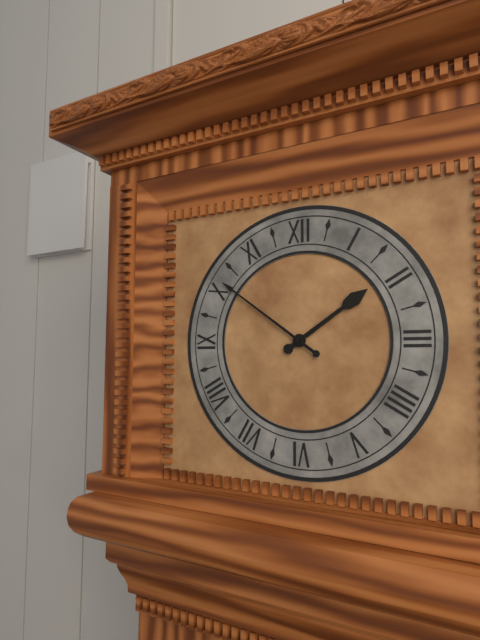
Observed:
1.51
